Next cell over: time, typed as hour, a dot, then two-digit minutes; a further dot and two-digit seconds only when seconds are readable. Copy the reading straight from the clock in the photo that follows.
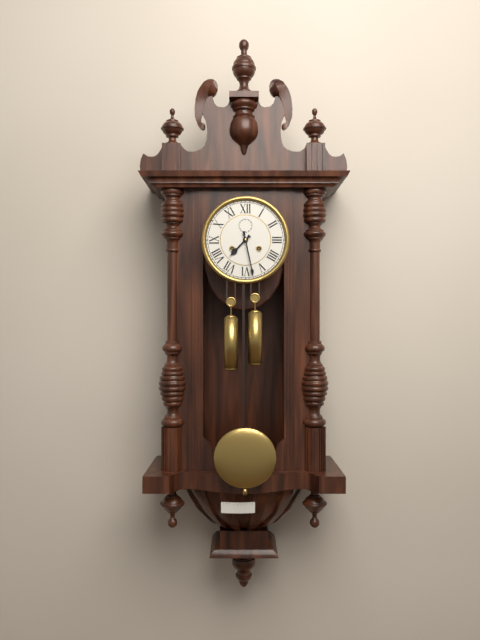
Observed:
7.28
